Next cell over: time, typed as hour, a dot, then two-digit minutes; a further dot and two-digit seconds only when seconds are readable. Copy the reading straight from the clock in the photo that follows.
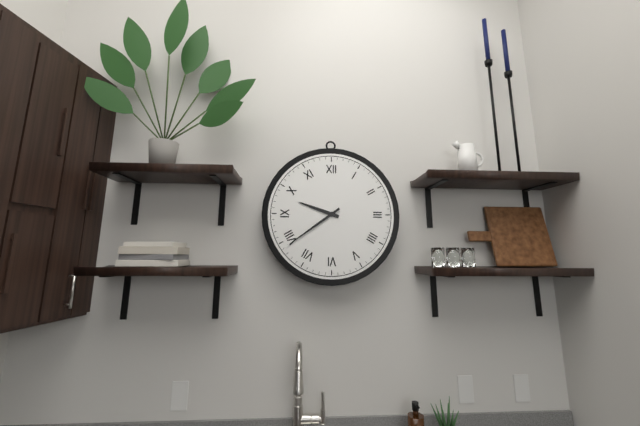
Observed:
9.39
